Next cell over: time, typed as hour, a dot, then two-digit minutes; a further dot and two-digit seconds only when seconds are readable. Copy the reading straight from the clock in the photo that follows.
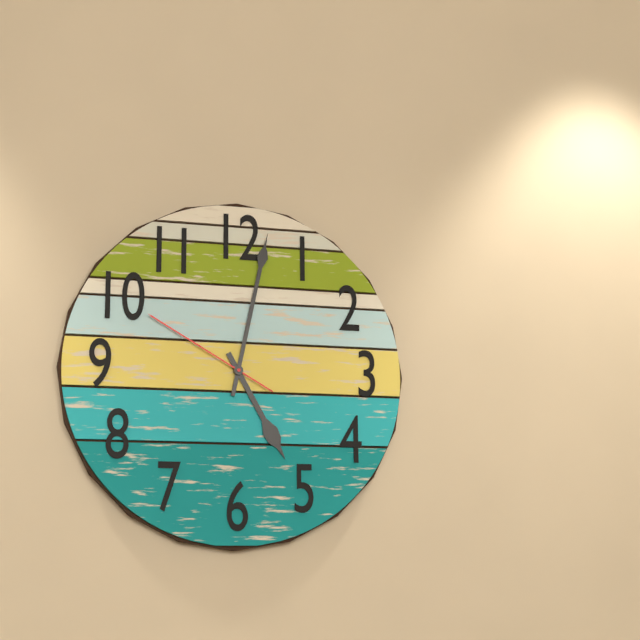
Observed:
5.02.50
